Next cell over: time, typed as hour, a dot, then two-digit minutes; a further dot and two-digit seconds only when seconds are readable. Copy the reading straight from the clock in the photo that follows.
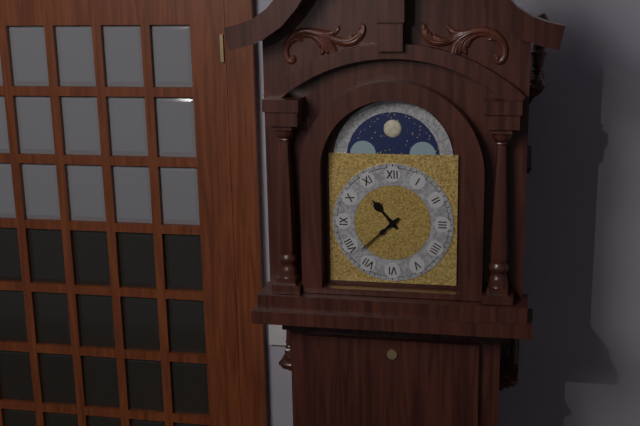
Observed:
10.38
